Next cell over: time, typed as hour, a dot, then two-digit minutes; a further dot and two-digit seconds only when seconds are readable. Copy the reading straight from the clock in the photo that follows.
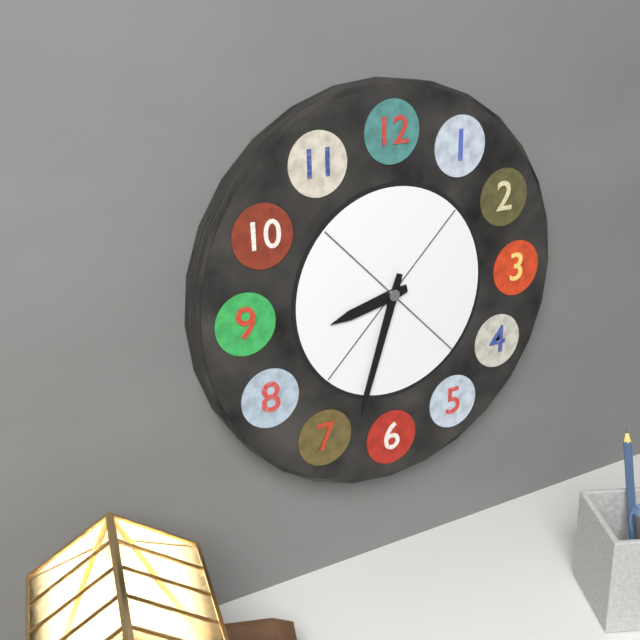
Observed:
8.33
